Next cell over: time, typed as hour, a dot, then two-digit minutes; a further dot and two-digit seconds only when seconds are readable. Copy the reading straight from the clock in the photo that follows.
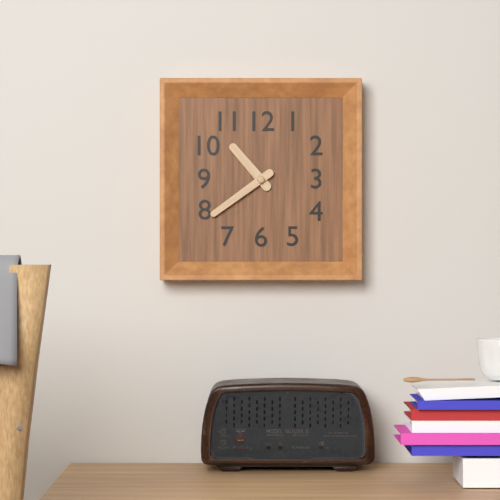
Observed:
10.39
